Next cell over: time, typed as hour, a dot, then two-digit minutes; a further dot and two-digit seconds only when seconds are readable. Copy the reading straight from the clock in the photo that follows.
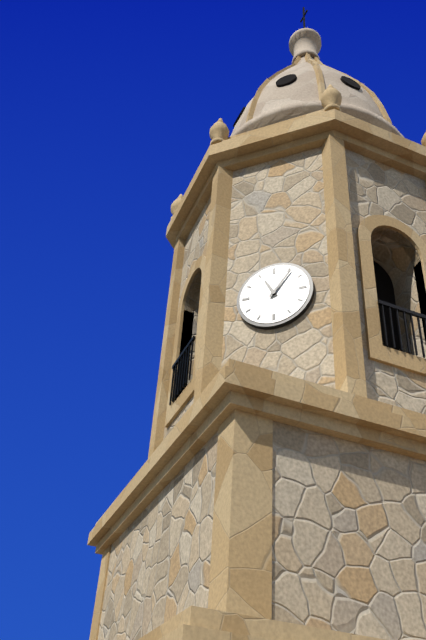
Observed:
11.06
